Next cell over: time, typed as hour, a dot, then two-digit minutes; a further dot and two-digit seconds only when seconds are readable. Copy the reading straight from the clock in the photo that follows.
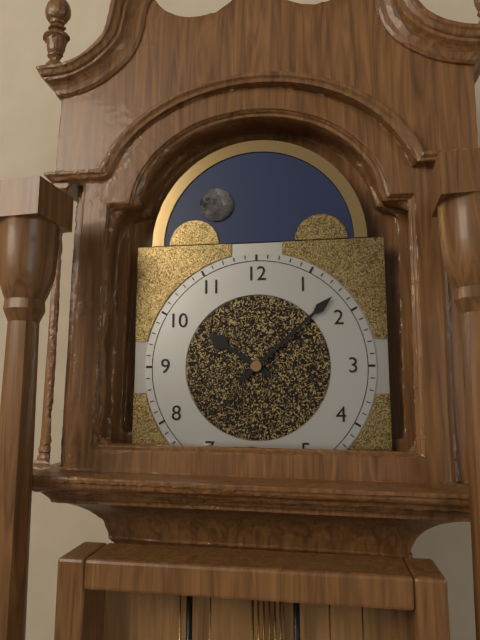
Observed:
10.08
